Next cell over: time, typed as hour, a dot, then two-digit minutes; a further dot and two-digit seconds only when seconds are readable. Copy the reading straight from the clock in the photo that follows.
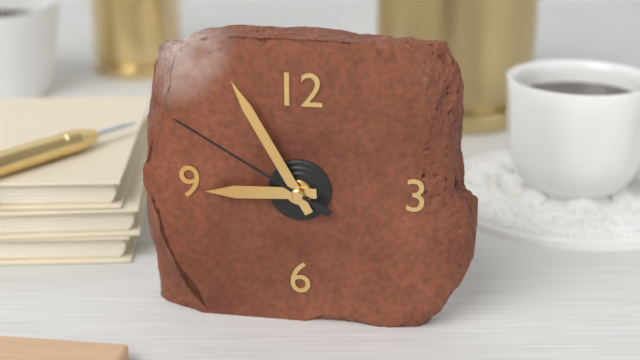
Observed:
8.55.50
